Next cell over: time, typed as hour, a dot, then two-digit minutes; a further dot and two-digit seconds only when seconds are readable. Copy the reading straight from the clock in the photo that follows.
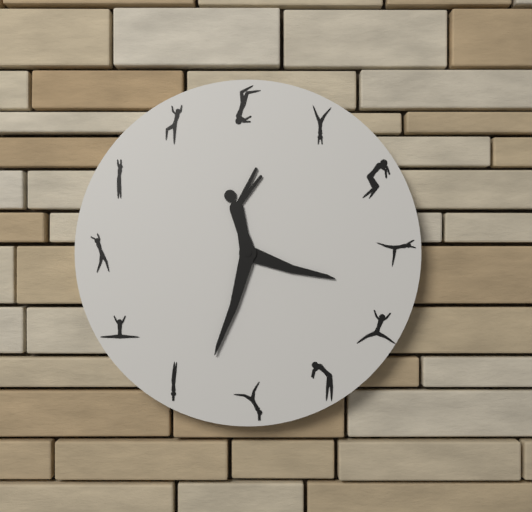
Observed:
3.33
